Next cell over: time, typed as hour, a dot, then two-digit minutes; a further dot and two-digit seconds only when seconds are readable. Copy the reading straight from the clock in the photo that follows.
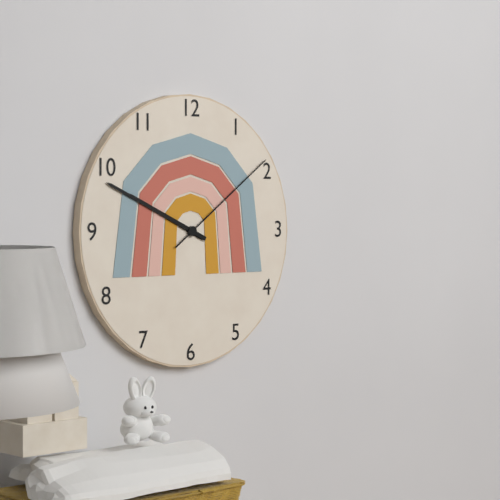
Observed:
9.49.09
